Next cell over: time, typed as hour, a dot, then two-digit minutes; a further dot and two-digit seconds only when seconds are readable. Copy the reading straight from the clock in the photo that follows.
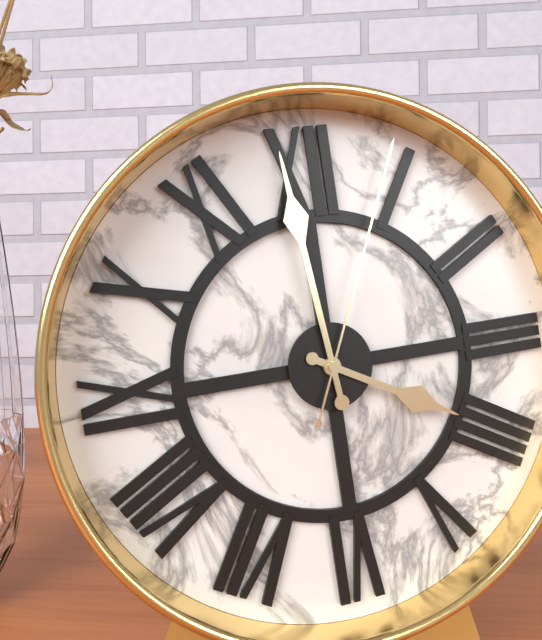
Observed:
3.59.04
